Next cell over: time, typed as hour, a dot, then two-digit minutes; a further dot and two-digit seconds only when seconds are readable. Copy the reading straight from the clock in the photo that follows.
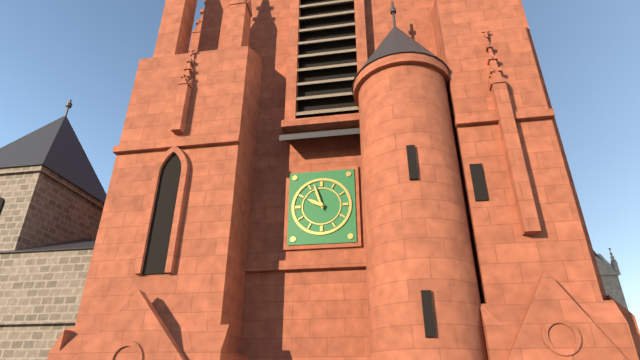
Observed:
9.57
